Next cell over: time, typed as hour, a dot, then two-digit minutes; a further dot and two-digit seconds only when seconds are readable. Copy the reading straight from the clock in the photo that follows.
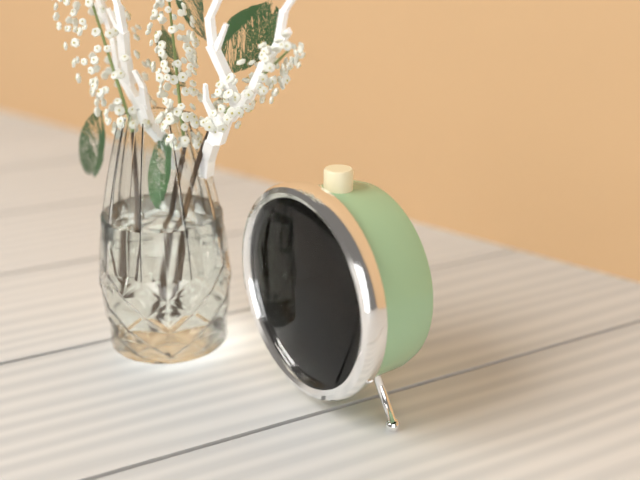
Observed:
10.25
